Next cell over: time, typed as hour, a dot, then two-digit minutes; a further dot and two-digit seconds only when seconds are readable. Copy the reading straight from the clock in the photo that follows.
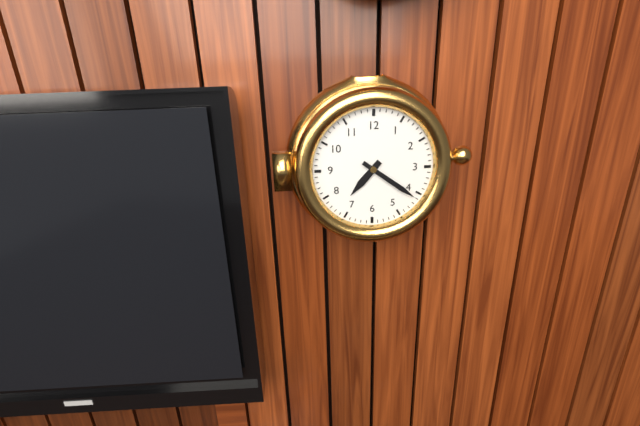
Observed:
7.21
